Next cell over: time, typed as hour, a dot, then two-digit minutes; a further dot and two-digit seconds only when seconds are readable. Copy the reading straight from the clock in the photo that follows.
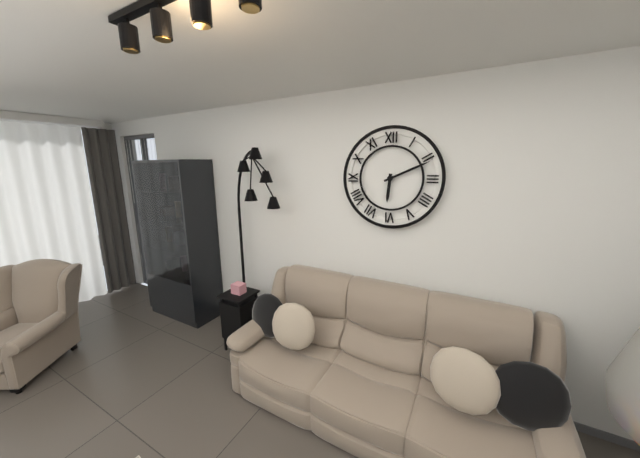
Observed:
6.11
